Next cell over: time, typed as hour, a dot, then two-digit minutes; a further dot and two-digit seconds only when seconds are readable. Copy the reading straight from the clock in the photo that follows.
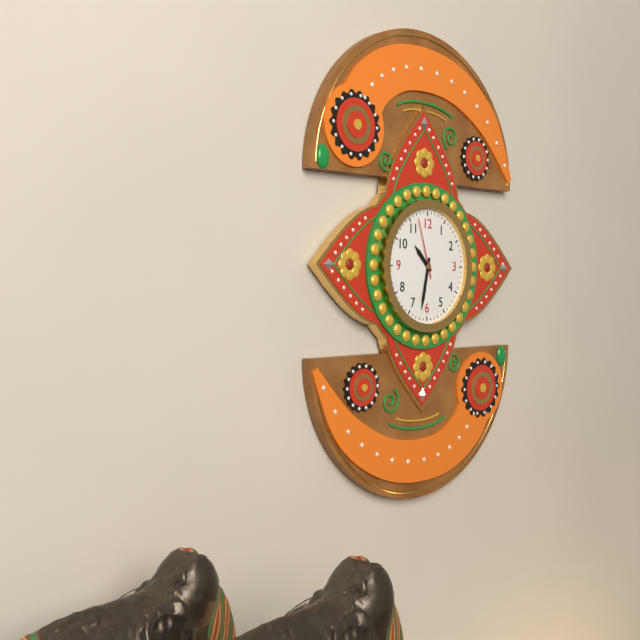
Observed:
10.32.57
